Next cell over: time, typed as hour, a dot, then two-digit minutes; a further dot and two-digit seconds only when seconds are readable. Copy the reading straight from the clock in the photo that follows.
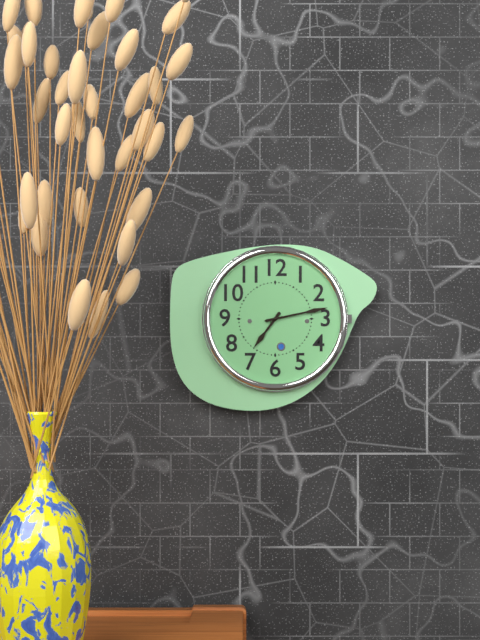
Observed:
7.13
